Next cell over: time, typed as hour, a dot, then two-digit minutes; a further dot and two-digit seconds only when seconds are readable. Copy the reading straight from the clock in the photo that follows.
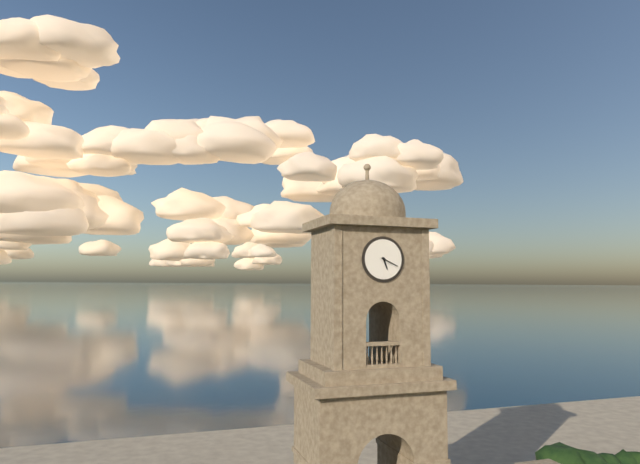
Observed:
5.19
